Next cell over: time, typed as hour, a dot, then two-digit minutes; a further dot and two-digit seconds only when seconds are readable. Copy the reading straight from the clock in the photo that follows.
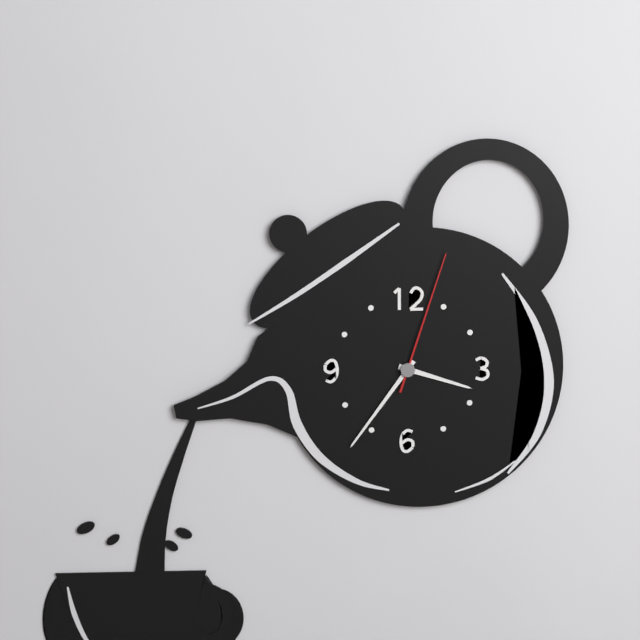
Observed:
3.36.03
